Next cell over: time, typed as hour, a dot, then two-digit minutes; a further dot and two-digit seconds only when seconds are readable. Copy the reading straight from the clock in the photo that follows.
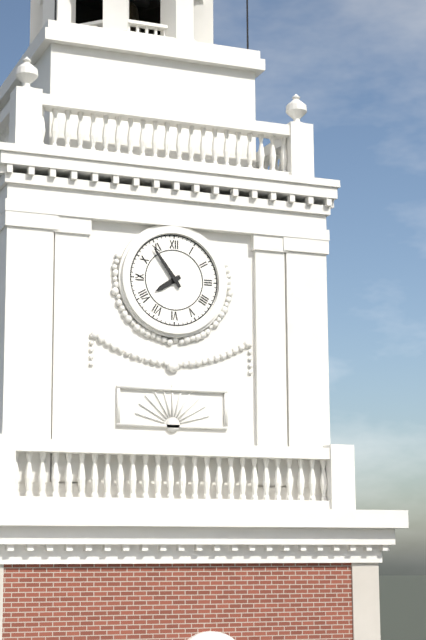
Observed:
7.54
